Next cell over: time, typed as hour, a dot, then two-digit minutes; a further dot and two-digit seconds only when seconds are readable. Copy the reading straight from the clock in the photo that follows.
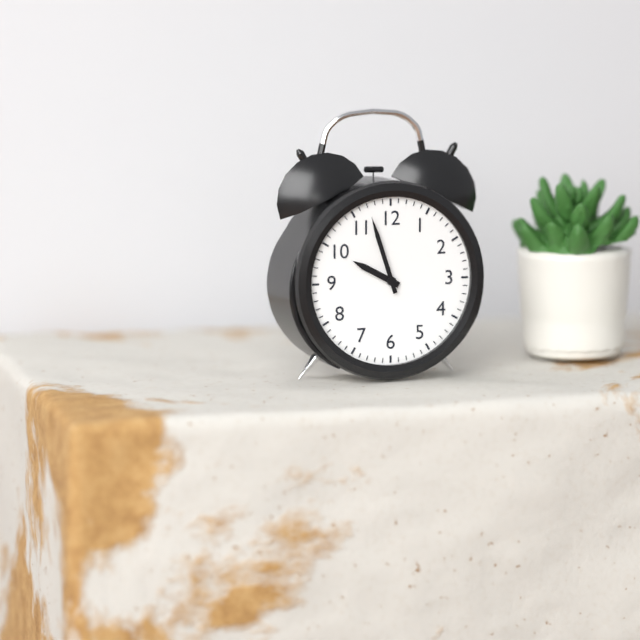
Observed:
9.57
